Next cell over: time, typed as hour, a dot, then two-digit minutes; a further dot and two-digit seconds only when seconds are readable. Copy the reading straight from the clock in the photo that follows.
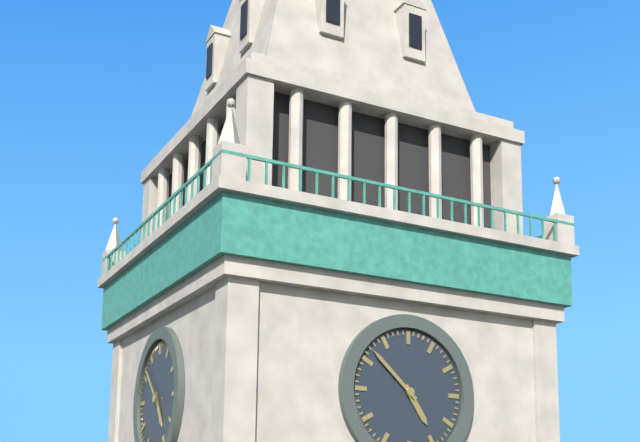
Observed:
4.52
